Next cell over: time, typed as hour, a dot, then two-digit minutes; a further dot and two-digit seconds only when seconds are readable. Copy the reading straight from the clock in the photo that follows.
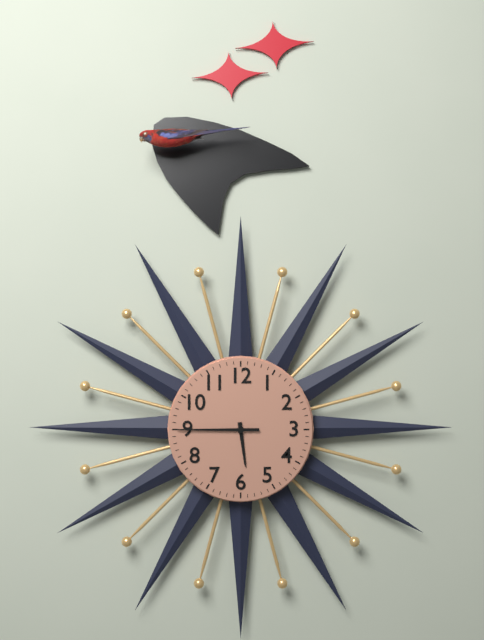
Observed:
5.45
